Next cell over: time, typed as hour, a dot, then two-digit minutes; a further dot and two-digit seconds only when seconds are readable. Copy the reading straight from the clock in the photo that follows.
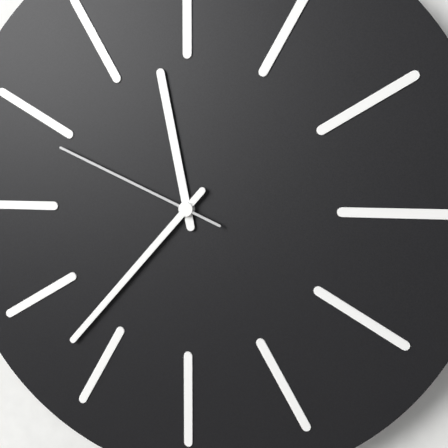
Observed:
11.37.49
